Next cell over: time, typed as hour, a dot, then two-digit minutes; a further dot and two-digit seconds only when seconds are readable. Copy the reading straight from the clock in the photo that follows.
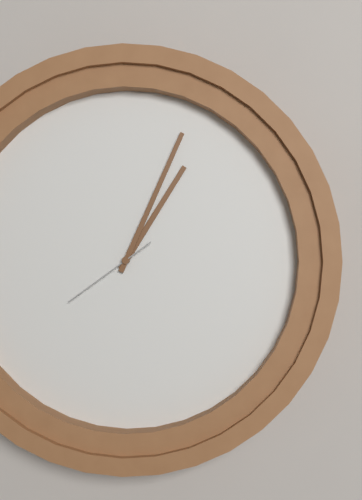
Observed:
1.04.39
